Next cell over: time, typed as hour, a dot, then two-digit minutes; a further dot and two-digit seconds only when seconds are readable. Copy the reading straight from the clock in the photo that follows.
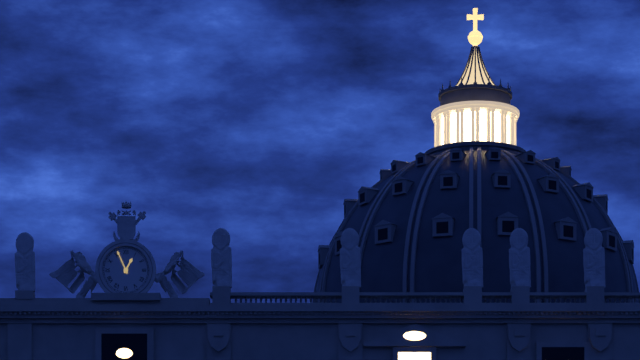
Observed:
12.56
